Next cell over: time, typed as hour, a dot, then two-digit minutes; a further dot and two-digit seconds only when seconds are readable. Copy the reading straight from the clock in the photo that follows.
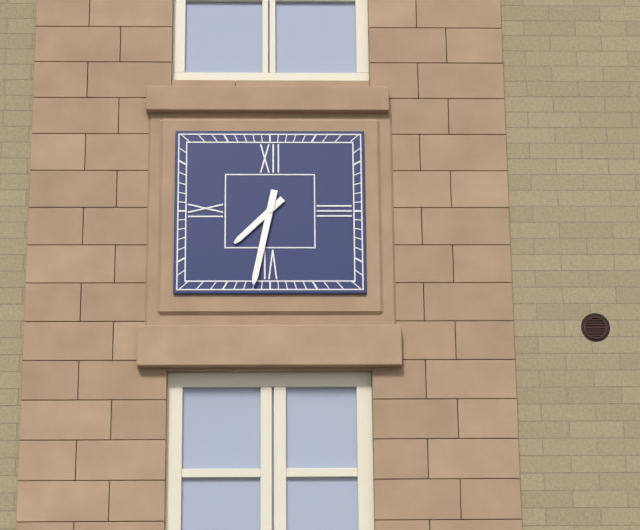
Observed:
7.32
